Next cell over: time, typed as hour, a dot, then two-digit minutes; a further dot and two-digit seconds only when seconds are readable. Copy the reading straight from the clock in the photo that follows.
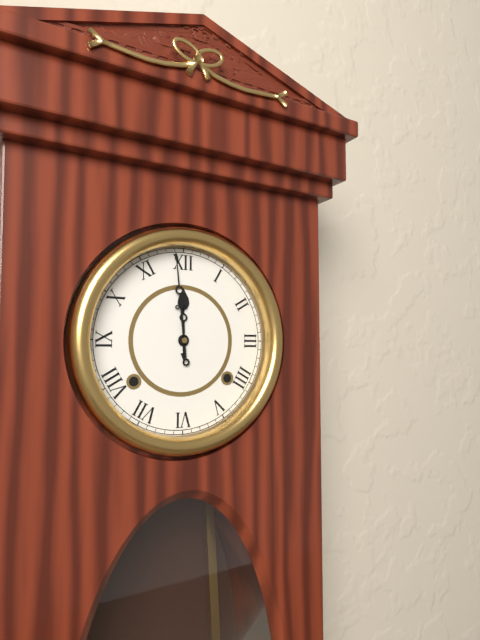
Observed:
11.59
